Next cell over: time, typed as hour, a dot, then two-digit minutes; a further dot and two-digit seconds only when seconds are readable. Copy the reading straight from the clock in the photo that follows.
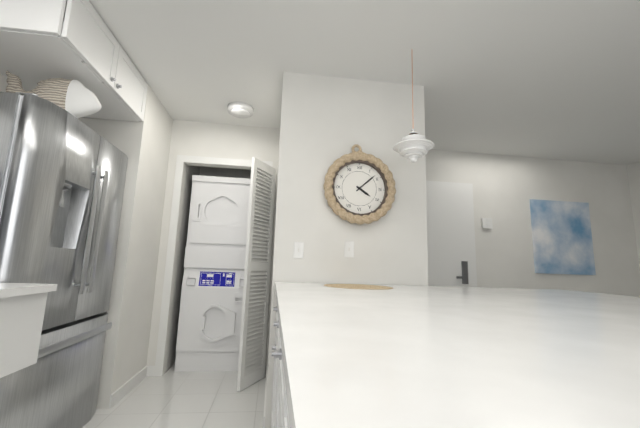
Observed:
4.08
